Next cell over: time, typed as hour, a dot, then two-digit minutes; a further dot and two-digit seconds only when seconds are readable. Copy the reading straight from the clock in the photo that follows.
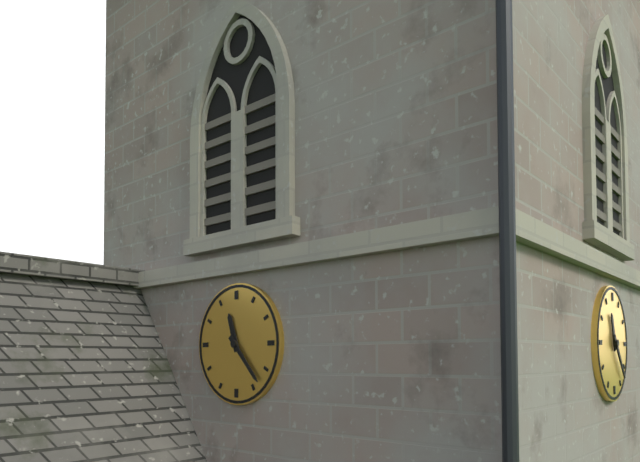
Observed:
11.23
